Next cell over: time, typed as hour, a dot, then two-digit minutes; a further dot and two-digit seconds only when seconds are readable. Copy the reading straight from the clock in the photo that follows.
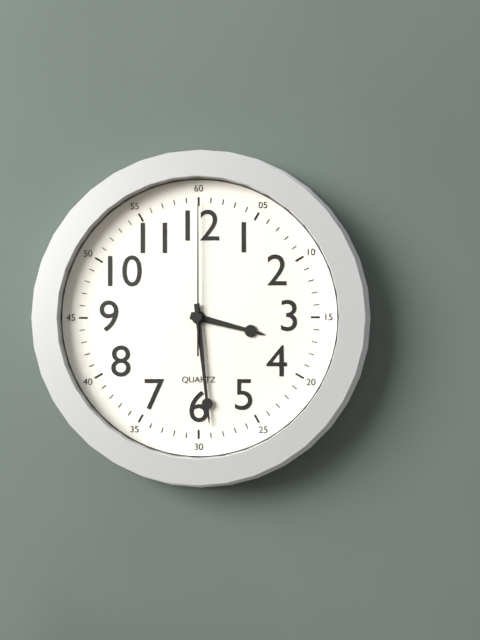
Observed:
3.29.00
